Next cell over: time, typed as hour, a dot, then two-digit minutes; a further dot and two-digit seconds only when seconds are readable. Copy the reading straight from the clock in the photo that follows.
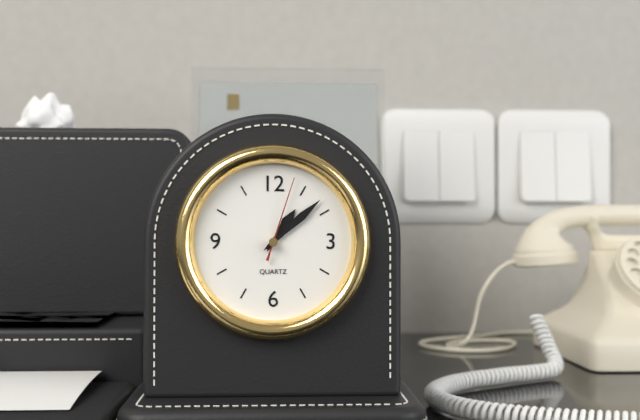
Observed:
1.08.03
